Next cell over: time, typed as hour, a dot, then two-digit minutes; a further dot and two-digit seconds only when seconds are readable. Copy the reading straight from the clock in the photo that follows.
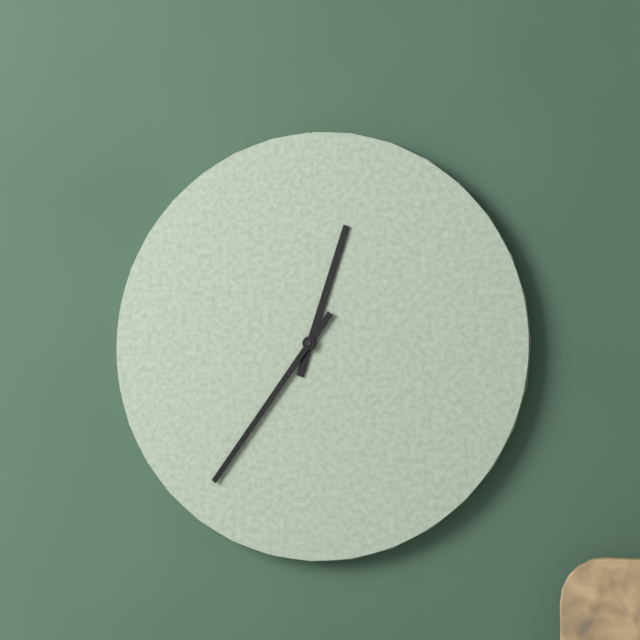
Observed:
12.36
